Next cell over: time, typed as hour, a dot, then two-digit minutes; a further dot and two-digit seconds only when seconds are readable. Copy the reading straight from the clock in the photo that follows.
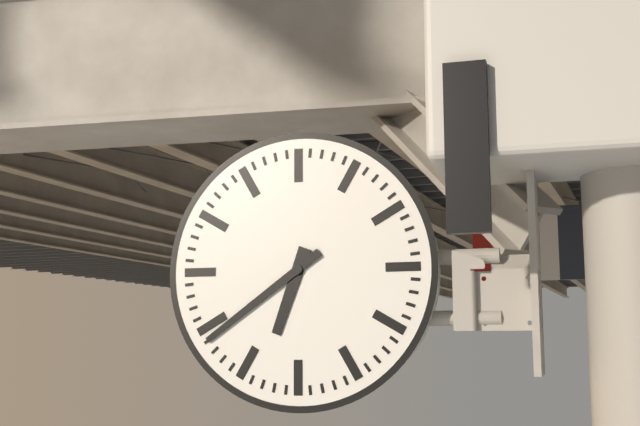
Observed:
6.39
